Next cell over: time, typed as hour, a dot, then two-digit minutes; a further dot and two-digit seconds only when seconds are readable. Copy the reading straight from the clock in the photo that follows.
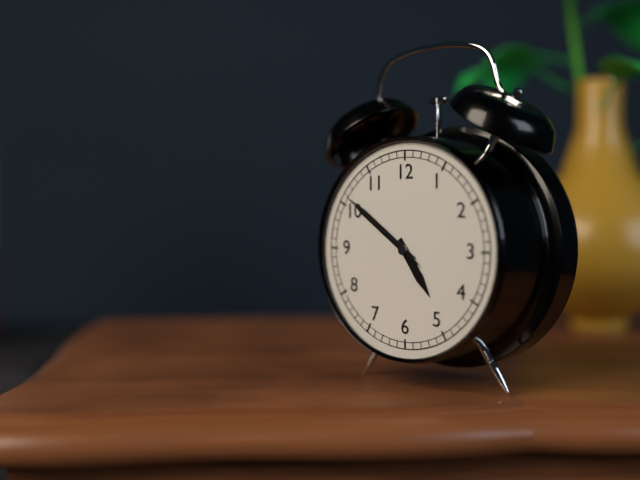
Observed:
4.51.51
